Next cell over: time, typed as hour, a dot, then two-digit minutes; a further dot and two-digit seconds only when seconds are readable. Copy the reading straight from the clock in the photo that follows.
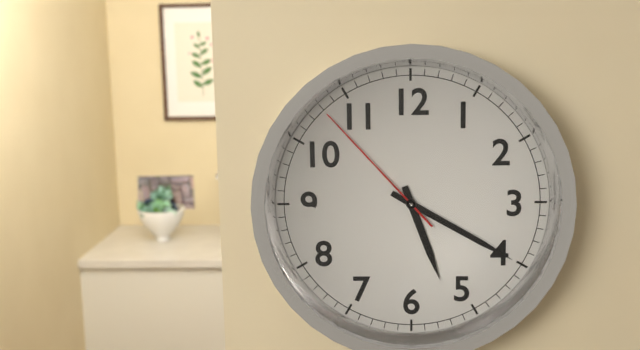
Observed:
5.20.53
